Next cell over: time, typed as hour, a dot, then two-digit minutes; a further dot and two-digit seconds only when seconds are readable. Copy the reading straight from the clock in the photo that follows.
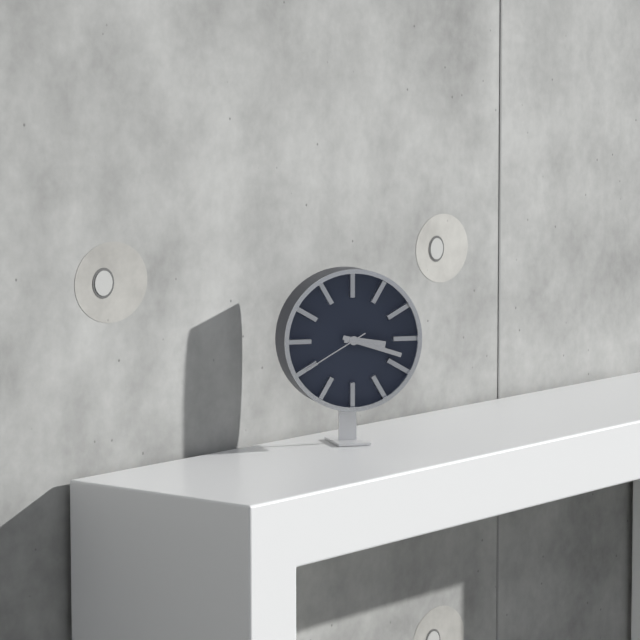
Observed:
3.18.40
